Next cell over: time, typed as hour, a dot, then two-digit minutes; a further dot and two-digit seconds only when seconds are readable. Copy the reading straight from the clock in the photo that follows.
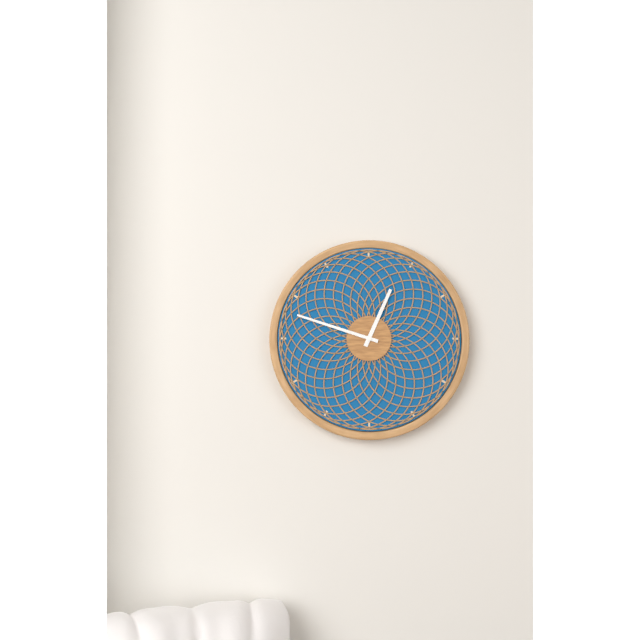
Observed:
12.48
